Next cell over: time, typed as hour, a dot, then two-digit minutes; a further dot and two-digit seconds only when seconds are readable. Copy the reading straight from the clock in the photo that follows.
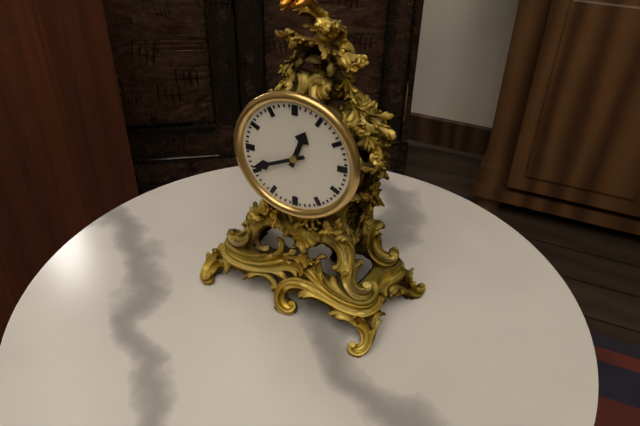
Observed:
12.41
